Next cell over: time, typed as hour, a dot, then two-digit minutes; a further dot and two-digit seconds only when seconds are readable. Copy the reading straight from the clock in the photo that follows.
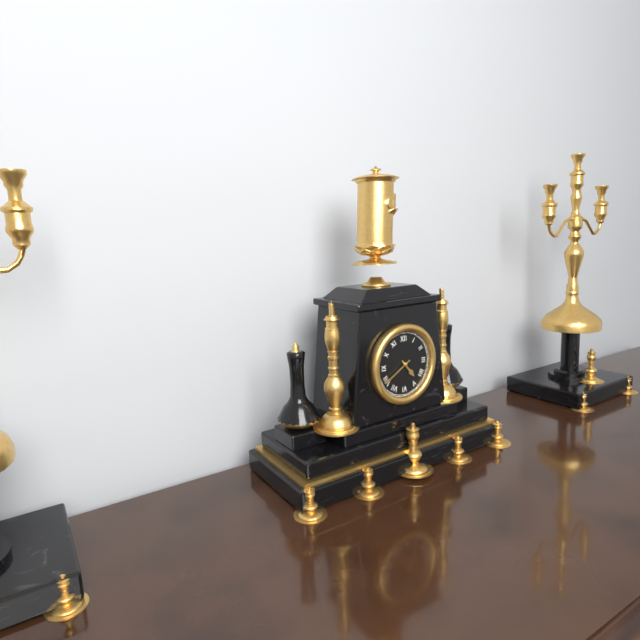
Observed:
4.40
